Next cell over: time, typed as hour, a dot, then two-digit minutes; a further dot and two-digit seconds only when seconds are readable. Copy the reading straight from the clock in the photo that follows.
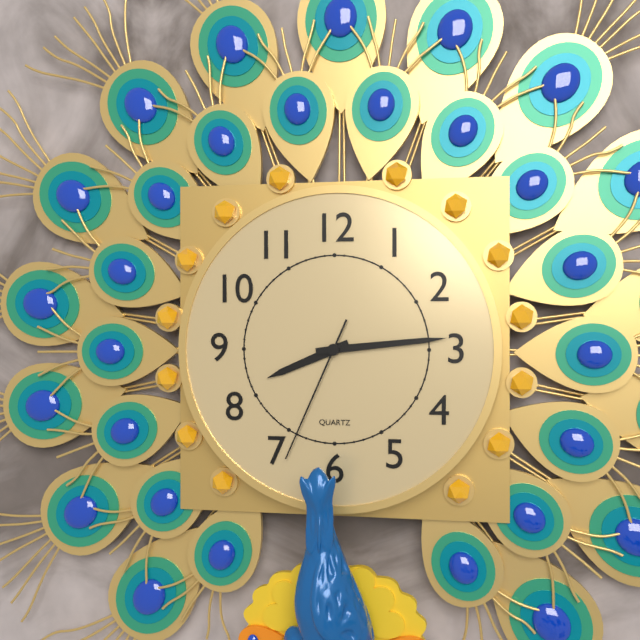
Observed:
8.14.34
